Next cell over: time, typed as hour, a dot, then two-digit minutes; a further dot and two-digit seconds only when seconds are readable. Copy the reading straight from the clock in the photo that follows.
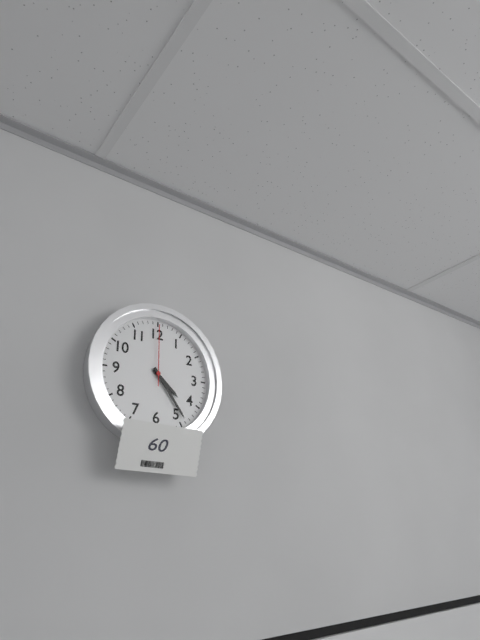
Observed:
4.24.00
